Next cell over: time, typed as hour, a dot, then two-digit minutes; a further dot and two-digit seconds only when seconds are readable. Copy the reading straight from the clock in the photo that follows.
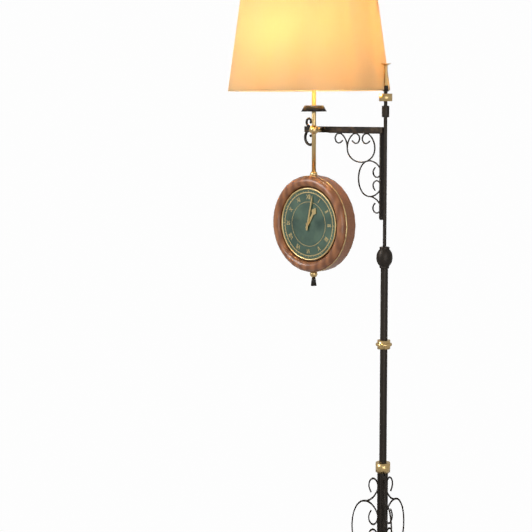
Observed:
1.02
